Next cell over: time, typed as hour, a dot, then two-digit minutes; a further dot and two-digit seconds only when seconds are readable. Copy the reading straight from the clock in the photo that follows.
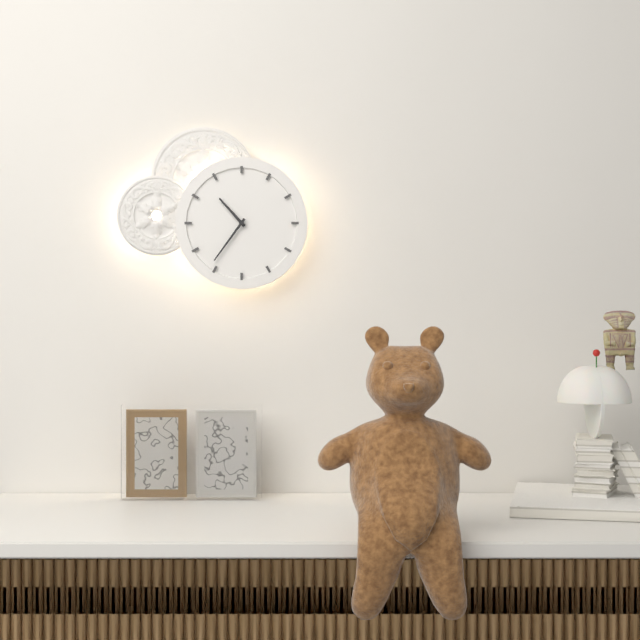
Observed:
10.36
